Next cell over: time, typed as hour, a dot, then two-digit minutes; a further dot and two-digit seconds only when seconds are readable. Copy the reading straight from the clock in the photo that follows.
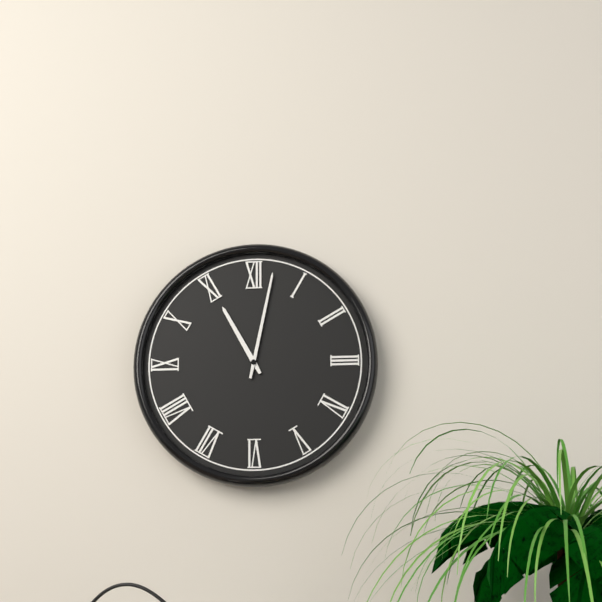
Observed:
11.02
